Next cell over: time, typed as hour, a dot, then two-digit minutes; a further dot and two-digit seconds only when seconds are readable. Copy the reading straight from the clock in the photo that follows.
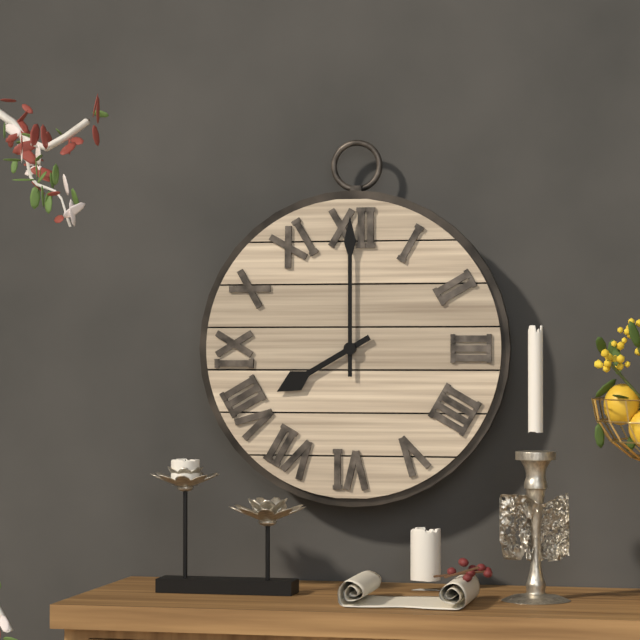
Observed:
8.00
